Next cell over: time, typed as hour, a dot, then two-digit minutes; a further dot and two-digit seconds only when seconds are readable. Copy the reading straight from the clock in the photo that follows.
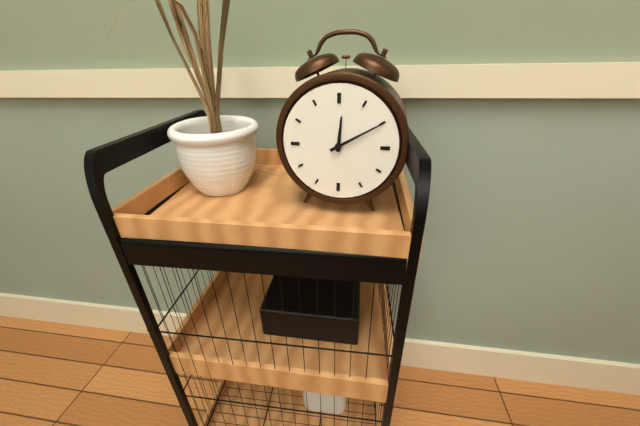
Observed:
12.10
